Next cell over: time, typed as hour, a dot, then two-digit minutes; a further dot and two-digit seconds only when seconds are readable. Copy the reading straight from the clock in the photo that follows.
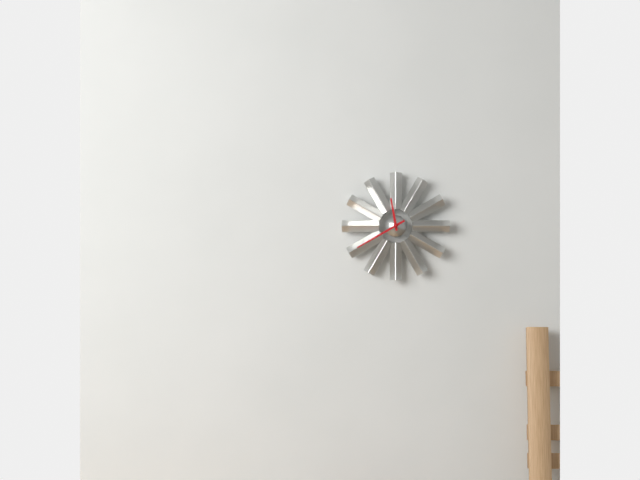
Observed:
11.40
